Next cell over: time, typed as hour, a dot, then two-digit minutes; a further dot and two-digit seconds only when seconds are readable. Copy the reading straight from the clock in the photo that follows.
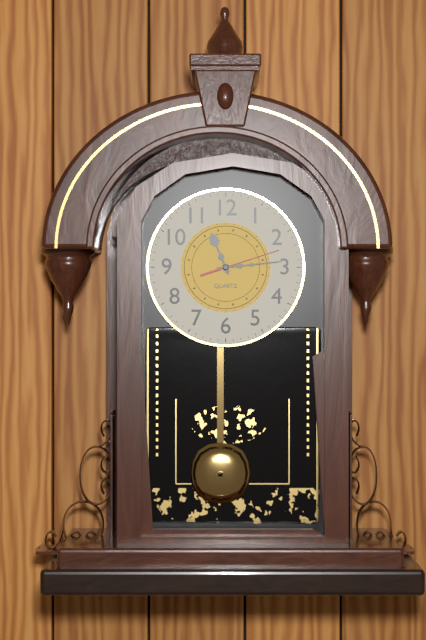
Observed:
11.14.12
